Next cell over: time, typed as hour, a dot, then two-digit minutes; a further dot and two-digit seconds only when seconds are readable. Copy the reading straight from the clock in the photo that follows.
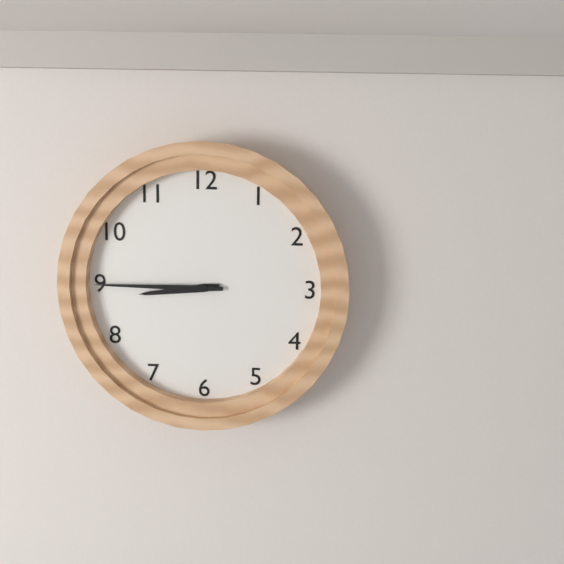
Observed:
8.45
